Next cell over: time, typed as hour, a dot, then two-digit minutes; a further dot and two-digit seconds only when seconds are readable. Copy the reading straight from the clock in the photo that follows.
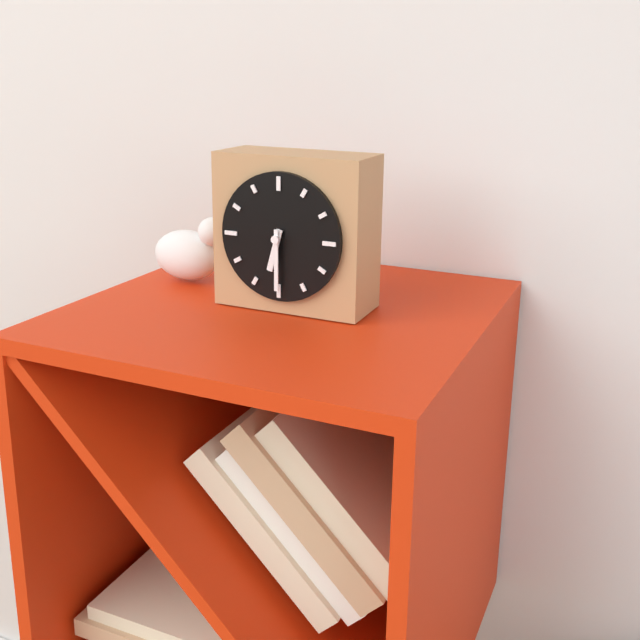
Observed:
6.30
